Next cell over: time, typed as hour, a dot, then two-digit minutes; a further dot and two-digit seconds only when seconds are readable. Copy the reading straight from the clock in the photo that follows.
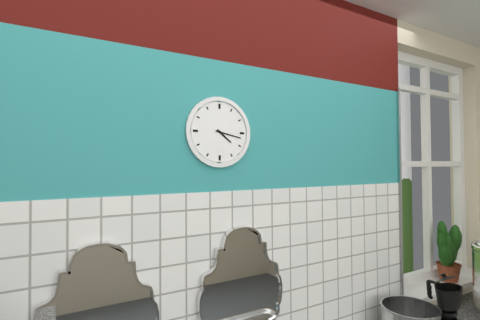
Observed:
4.17
